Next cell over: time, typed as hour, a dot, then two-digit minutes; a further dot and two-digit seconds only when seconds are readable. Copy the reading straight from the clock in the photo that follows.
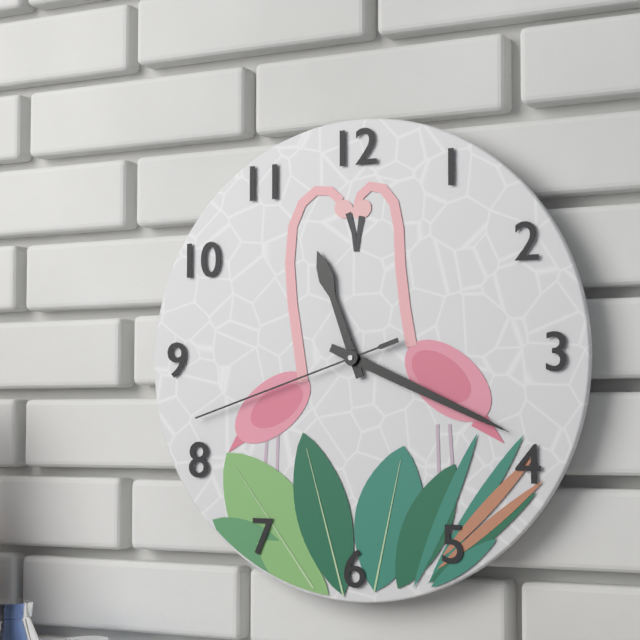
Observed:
11.19.42
